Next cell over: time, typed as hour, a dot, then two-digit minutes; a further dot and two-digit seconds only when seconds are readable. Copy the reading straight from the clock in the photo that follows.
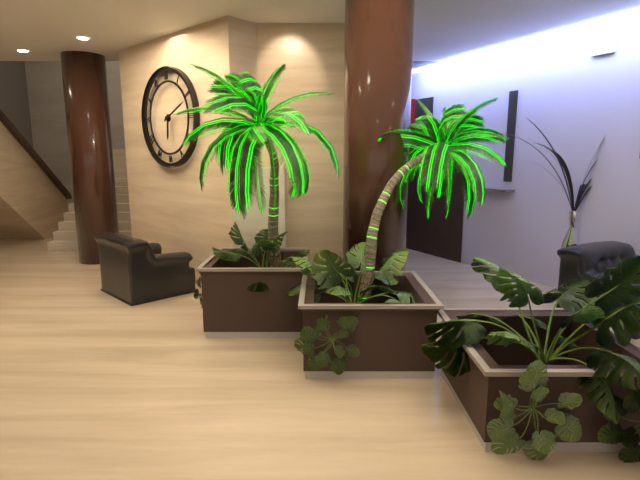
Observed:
6.11
